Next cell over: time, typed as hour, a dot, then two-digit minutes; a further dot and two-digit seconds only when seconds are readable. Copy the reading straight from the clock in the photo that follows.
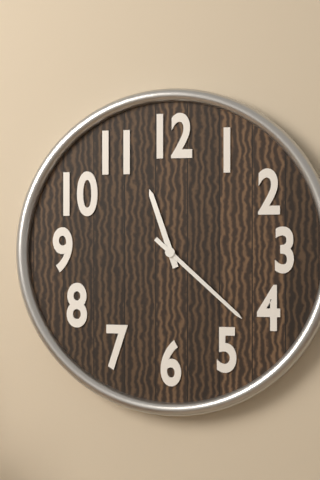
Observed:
11.22
